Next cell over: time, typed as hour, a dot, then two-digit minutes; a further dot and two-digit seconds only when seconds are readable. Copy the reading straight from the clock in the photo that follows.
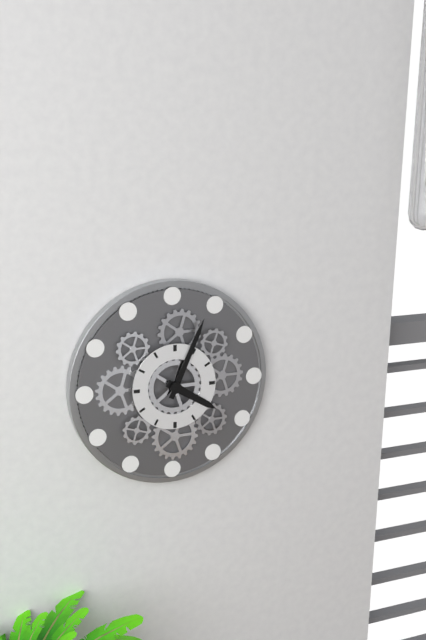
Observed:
4.04
